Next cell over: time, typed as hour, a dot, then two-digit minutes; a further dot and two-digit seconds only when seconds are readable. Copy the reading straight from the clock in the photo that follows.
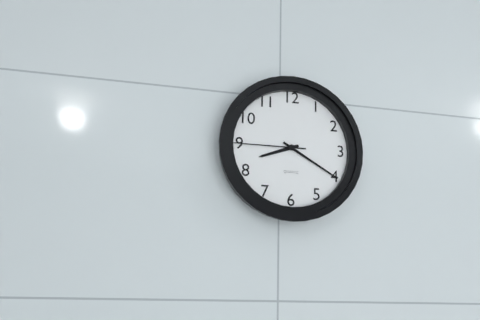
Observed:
8.20.45
